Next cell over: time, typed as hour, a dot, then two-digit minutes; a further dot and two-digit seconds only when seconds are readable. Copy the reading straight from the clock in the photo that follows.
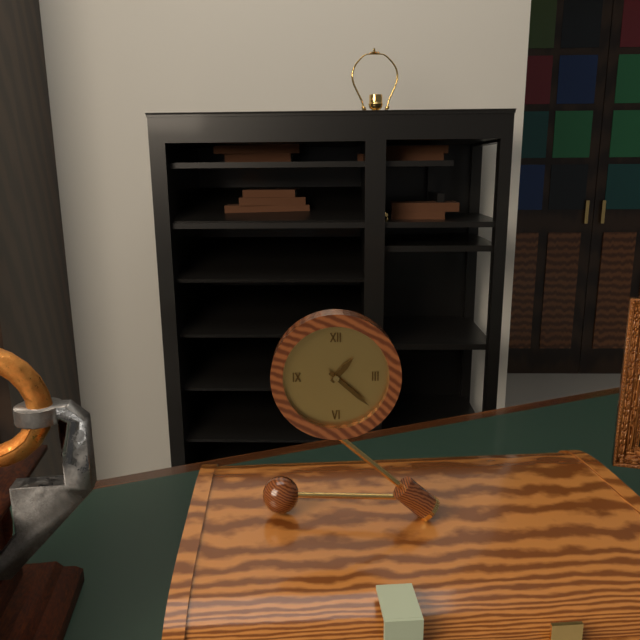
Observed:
1.22
